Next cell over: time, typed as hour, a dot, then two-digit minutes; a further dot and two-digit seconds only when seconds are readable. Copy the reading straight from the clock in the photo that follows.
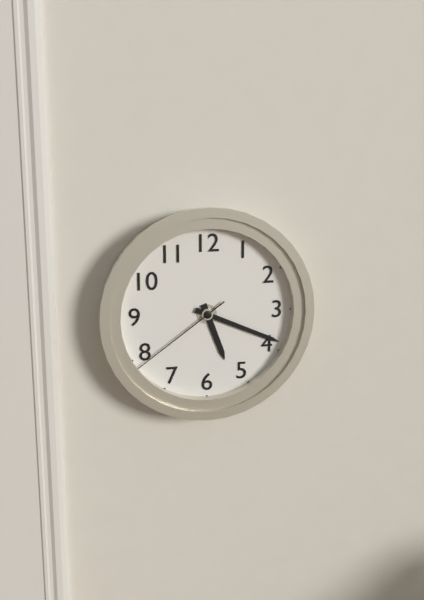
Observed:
5.19.39
